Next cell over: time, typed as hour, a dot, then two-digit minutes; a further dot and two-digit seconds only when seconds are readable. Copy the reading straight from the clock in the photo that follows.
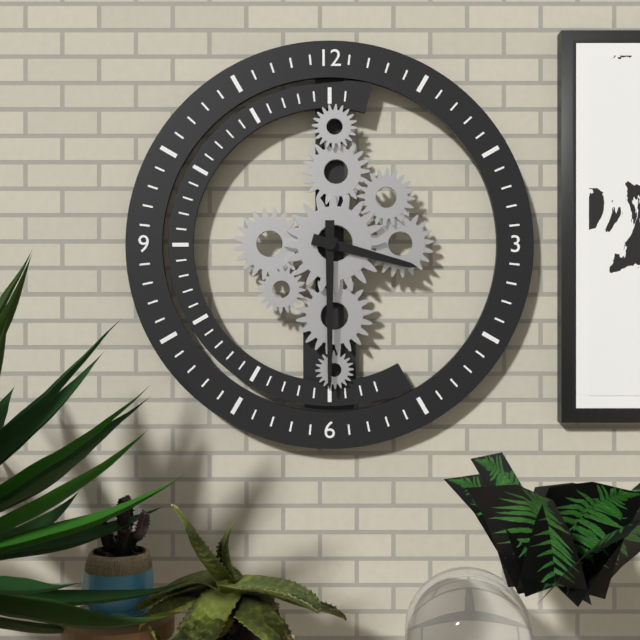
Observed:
3.30
